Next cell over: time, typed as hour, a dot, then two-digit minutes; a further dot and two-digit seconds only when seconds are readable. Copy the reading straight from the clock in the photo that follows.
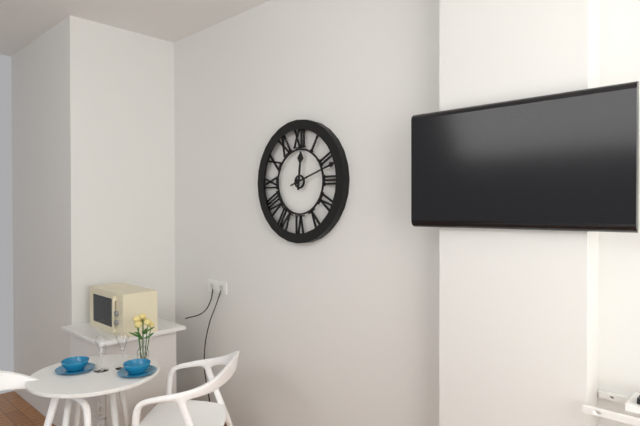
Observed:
12.12
